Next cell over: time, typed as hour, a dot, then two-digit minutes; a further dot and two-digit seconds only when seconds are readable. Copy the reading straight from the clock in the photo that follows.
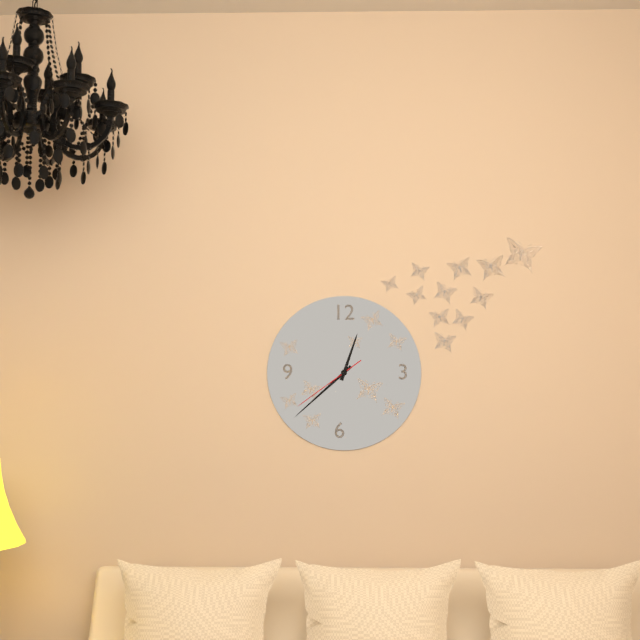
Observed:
12.38.39
